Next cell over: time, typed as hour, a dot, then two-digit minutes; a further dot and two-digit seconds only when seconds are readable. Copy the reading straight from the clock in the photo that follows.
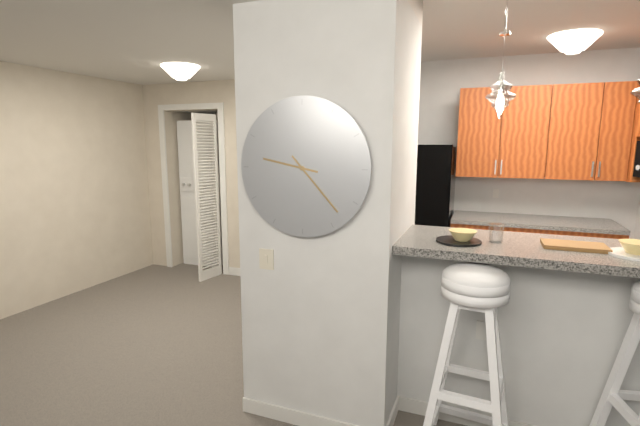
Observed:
9.23
